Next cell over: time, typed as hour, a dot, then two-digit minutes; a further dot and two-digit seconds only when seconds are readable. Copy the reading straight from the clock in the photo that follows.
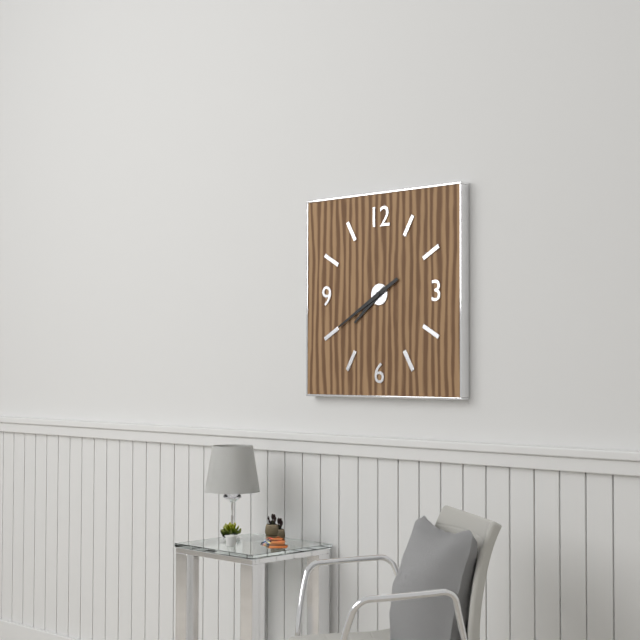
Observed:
7.40
